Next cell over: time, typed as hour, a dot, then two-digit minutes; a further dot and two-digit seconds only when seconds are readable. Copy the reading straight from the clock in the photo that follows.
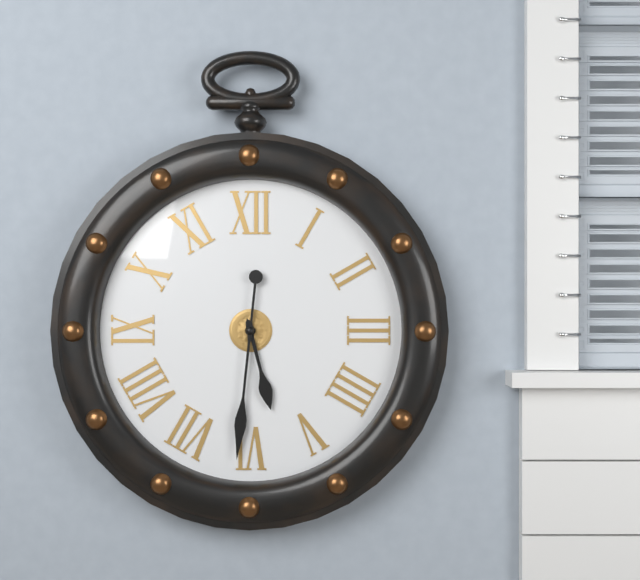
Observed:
5.31
